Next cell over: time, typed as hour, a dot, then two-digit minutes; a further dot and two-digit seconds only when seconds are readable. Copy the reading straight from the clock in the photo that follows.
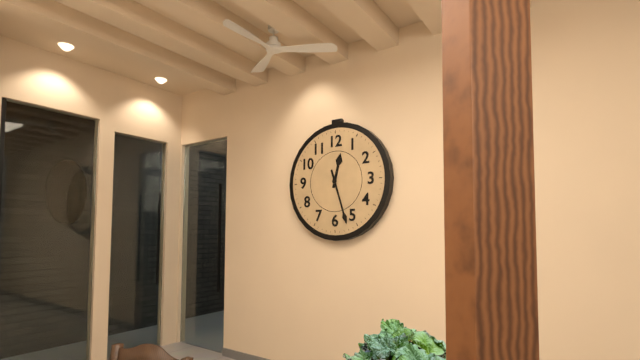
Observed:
12.27
